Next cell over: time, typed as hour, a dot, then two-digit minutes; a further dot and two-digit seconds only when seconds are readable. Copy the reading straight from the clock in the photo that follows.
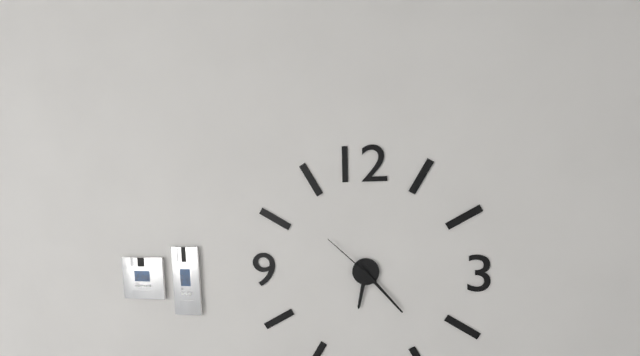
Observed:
6.23.52
